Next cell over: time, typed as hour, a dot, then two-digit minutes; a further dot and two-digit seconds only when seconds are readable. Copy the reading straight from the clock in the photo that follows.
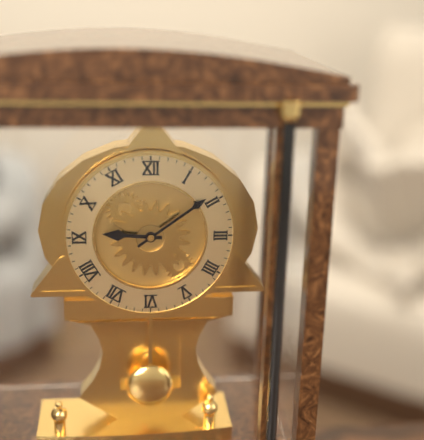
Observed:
9.09
